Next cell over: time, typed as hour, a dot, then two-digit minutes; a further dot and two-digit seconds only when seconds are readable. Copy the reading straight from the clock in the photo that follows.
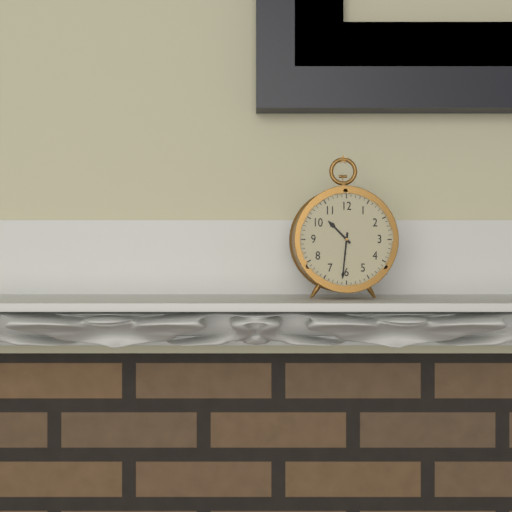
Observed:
10.31
